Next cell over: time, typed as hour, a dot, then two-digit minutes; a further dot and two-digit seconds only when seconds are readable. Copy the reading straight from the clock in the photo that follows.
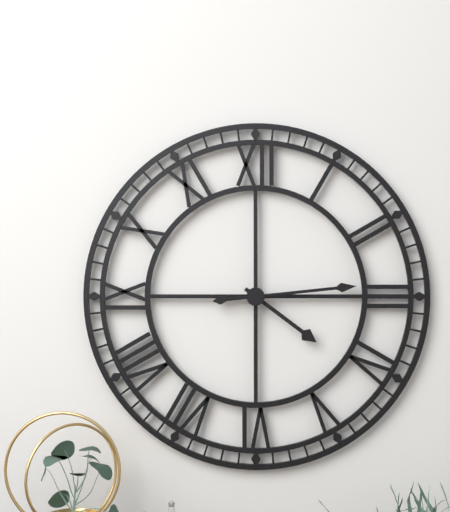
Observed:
4.14
